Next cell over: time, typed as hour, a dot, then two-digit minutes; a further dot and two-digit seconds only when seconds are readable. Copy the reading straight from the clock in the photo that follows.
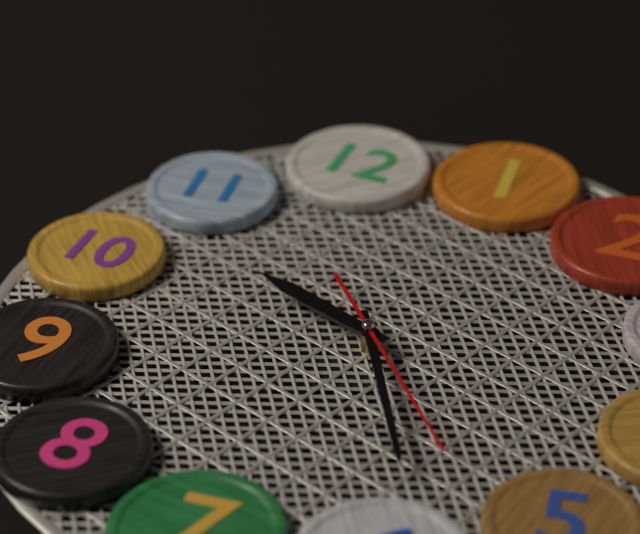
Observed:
10.29.27
